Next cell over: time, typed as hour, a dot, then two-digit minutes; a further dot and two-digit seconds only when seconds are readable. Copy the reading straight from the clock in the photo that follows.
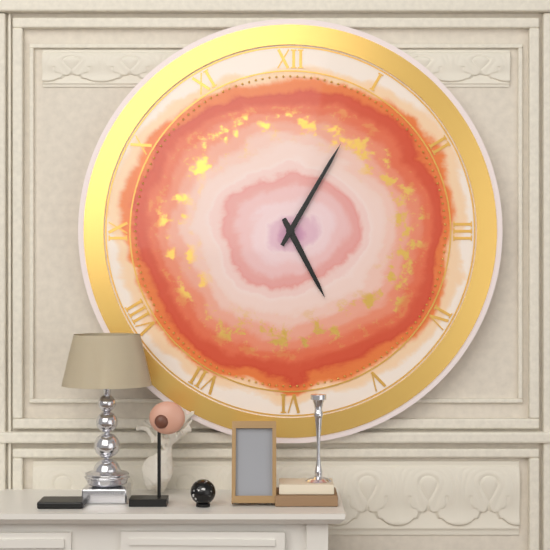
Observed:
5.05
